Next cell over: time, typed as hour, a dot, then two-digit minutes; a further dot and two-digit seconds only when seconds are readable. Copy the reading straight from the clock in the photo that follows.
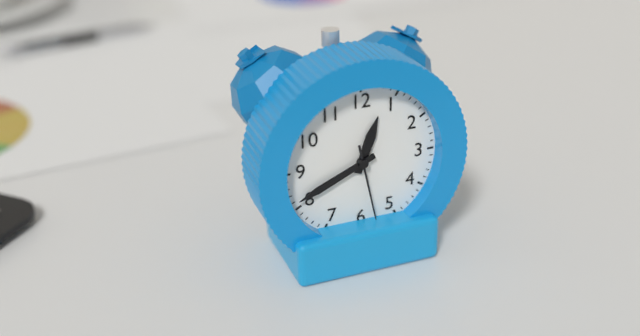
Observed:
12.41.28
